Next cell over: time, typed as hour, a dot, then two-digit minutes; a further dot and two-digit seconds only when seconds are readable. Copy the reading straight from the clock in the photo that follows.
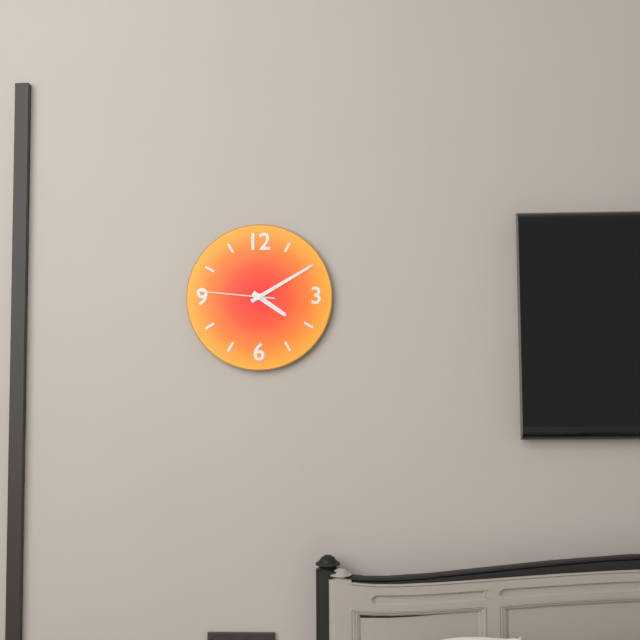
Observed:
4.10.46
